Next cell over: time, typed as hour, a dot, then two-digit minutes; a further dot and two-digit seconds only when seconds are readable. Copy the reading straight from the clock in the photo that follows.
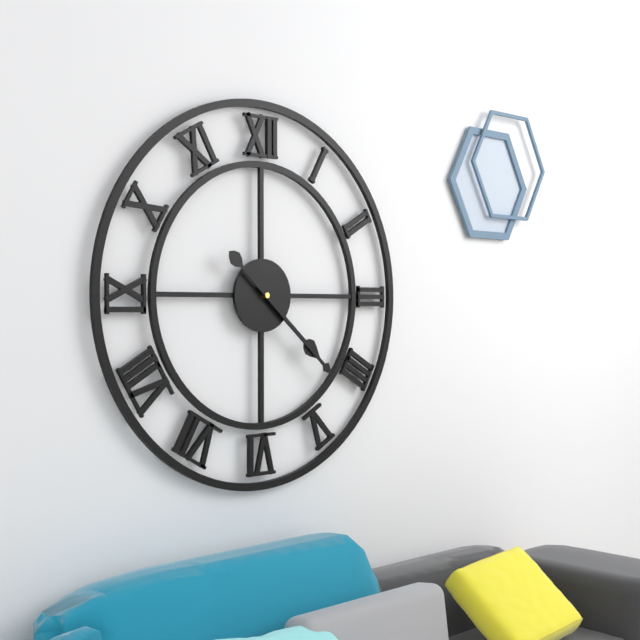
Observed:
4.22
